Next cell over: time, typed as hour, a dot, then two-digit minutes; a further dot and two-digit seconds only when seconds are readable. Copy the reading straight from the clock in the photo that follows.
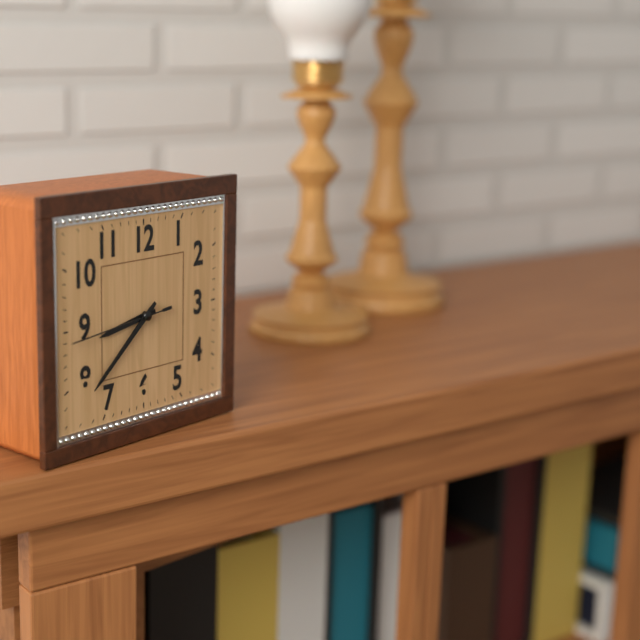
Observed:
8.38.44
